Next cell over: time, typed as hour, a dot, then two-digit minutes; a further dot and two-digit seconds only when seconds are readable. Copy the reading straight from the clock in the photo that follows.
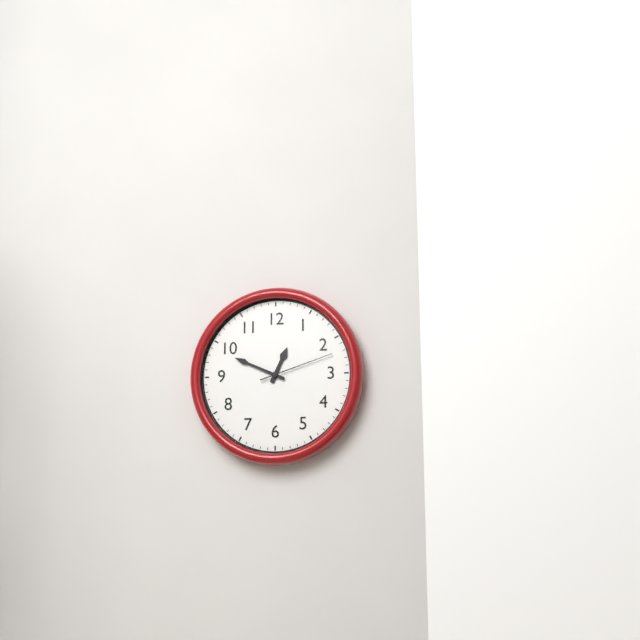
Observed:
12.49.12
